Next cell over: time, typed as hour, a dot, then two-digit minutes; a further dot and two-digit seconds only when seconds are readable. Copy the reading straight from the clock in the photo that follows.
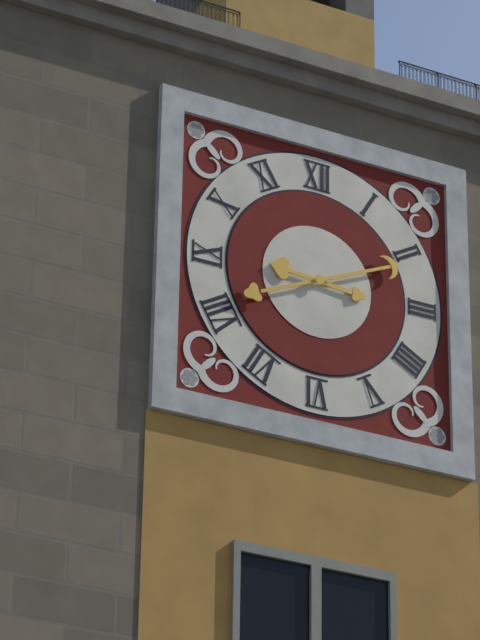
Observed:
9.11
